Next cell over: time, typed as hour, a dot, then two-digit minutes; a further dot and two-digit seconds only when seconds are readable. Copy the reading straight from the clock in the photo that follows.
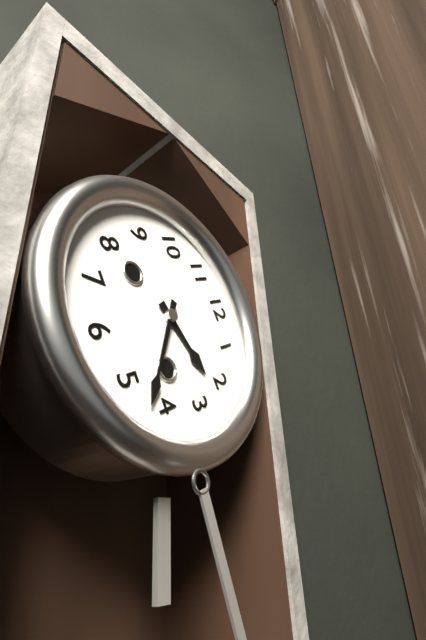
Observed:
2.22
